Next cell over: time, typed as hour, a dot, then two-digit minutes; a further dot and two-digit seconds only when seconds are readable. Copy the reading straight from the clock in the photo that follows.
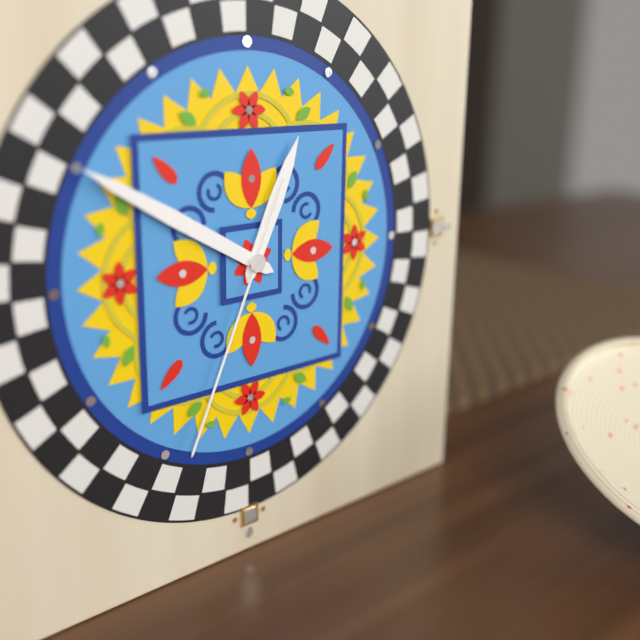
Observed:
12.50.34
